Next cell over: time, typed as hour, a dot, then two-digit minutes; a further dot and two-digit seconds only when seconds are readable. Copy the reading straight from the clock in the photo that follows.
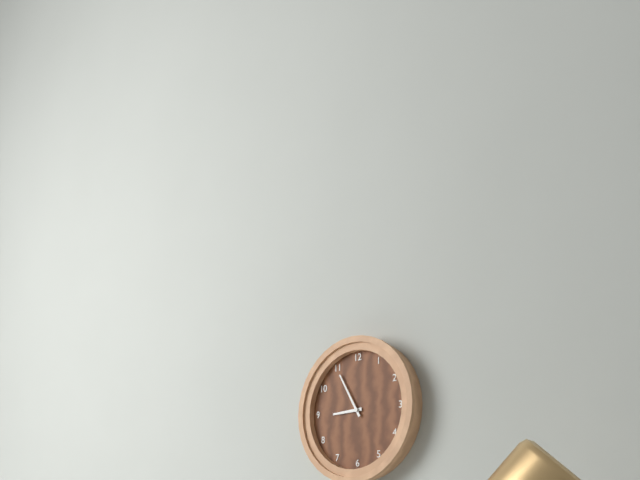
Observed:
8.55
